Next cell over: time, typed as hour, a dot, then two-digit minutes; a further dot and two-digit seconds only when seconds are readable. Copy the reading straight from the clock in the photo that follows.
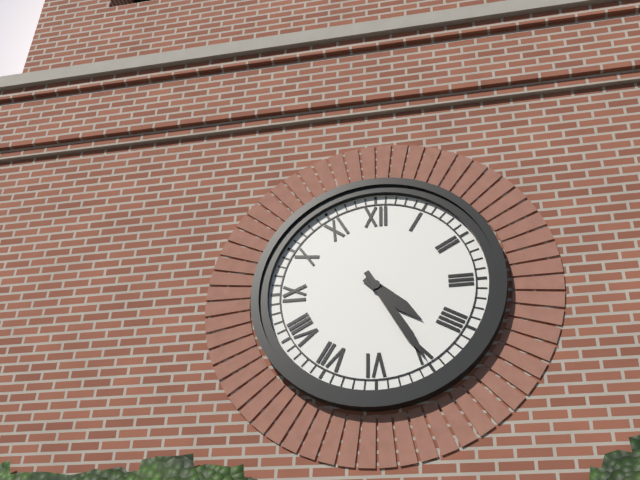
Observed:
4.25
